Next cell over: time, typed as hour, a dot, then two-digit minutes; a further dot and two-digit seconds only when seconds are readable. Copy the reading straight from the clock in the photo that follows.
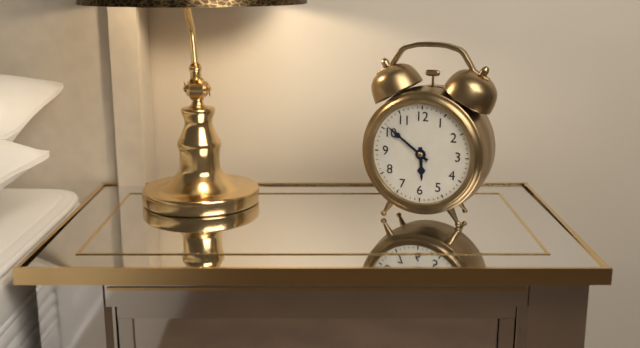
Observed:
5.51
